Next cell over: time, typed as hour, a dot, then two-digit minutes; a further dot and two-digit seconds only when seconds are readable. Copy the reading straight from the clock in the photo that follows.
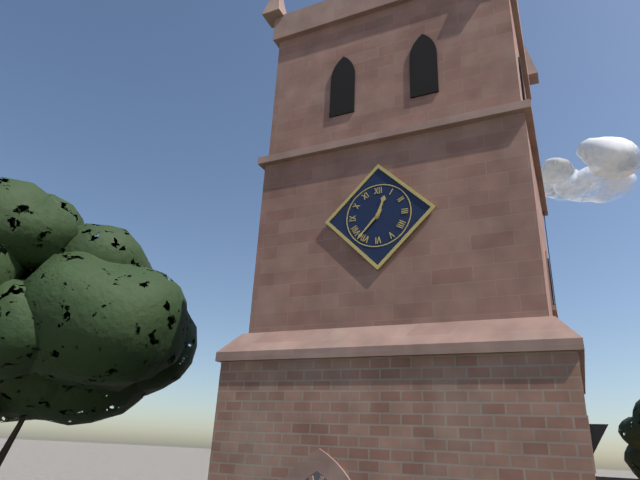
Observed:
12.37
